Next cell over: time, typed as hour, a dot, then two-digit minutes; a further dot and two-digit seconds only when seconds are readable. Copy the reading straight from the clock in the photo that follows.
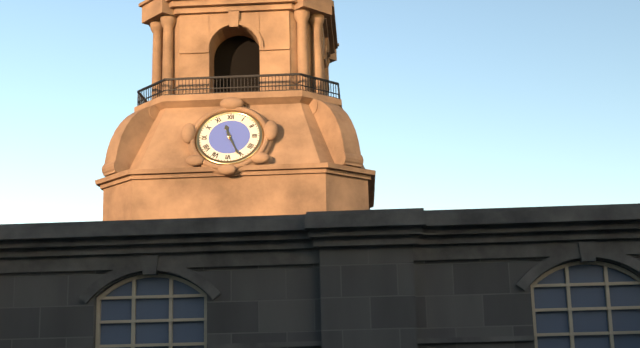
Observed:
11.26
